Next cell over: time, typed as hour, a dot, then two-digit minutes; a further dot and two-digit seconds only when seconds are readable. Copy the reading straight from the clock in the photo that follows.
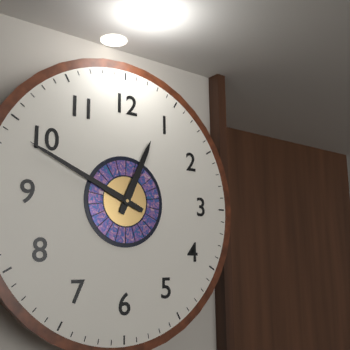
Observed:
12.49
